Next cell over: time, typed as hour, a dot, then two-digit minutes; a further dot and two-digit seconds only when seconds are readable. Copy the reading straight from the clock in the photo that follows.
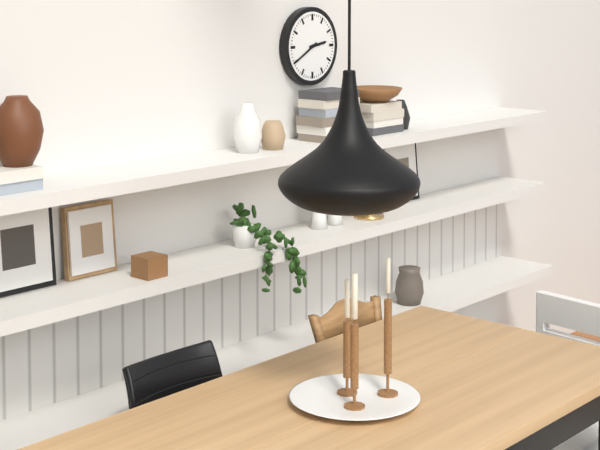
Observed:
2.40
